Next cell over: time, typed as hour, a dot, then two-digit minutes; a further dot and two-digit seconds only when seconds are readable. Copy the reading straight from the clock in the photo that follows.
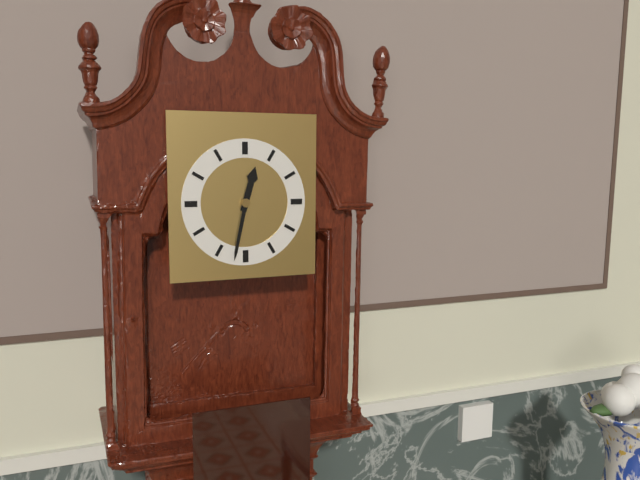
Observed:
12.32
